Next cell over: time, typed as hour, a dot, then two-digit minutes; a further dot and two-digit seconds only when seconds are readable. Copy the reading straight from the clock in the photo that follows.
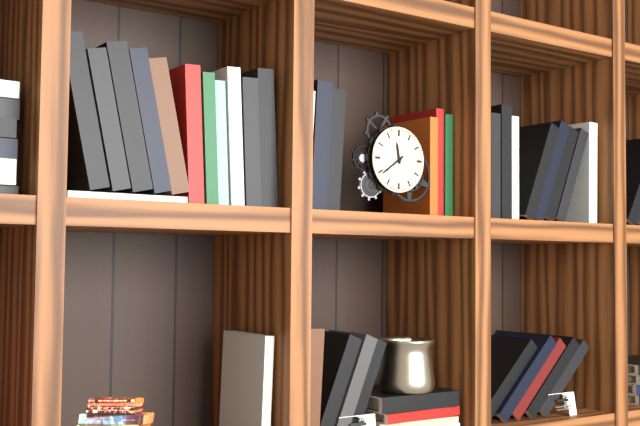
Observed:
11.39
